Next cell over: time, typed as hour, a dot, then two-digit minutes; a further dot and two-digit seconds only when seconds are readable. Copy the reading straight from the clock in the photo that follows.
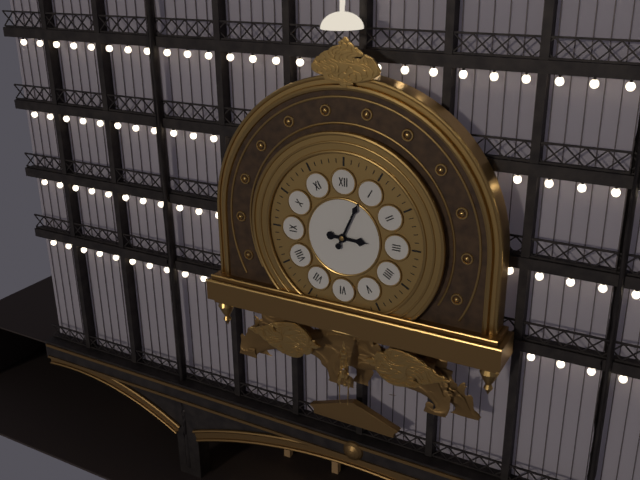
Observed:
3.04
